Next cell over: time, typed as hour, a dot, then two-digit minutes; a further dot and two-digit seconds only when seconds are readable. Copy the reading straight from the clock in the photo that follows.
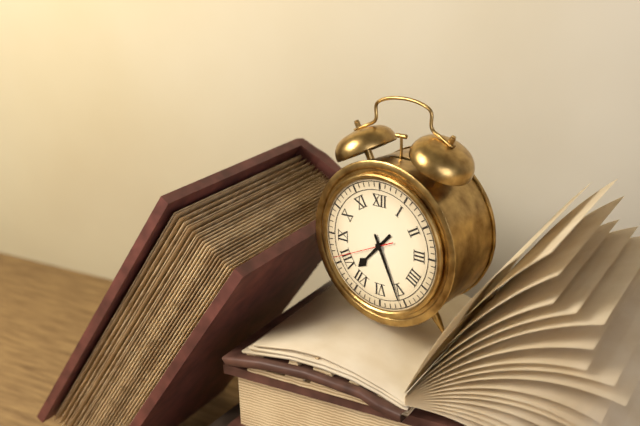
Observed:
7.26.41
